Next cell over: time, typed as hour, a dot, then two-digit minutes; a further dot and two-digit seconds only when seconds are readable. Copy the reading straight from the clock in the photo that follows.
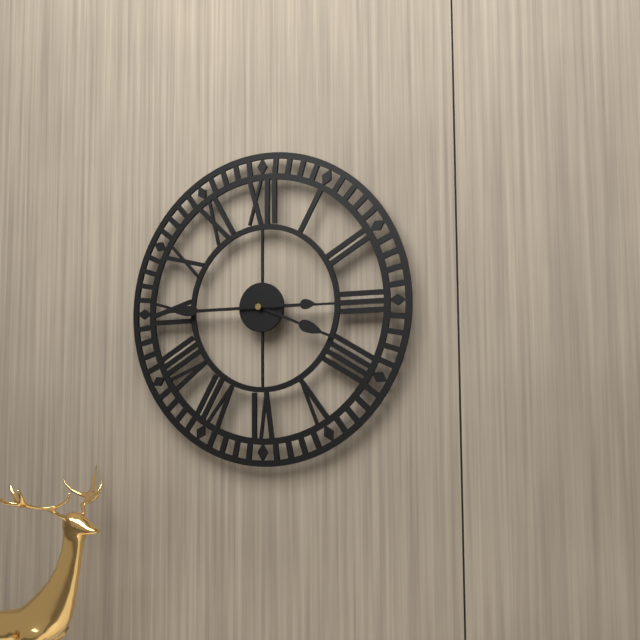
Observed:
3.45
